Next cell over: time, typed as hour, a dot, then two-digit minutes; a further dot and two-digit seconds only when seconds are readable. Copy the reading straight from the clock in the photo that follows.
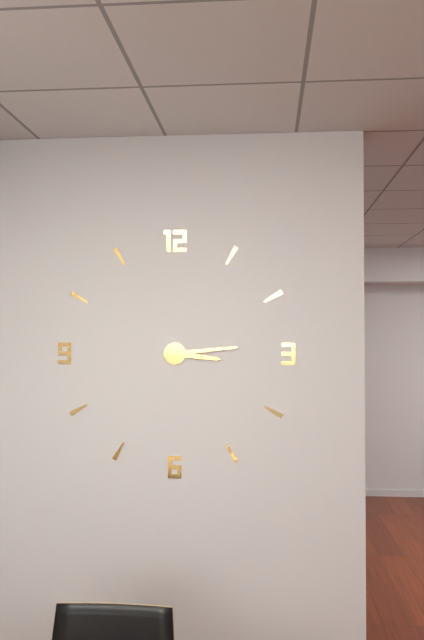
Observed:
3.14
